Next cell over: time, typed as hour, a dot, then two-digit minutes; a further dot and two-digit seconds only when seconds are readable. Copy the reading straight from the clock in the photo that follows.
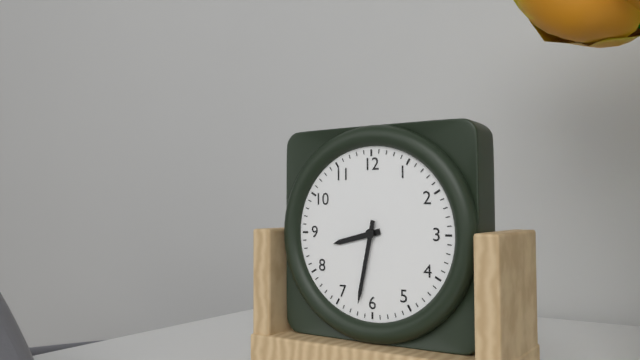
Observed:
8.32
